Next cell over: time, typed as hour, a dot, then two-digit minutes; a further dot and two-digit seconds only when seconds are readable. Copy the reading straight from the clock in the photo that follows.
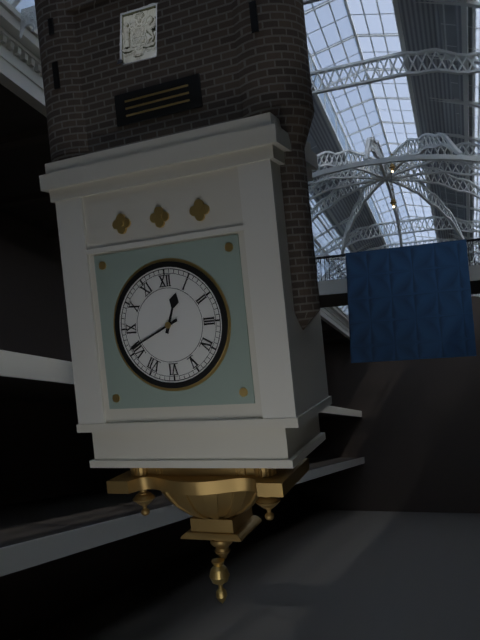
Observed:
12.41
